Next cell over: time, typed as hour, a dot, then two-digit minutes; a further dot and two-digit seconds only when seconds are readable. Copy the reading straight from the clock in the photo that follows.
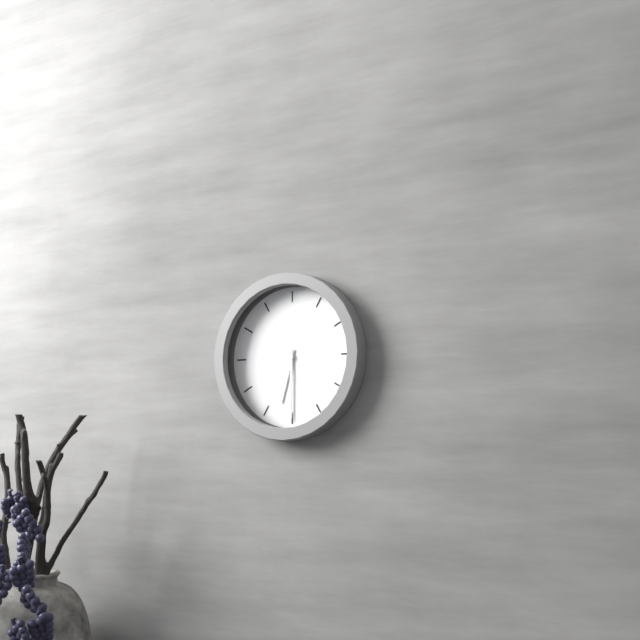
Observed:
6.30
